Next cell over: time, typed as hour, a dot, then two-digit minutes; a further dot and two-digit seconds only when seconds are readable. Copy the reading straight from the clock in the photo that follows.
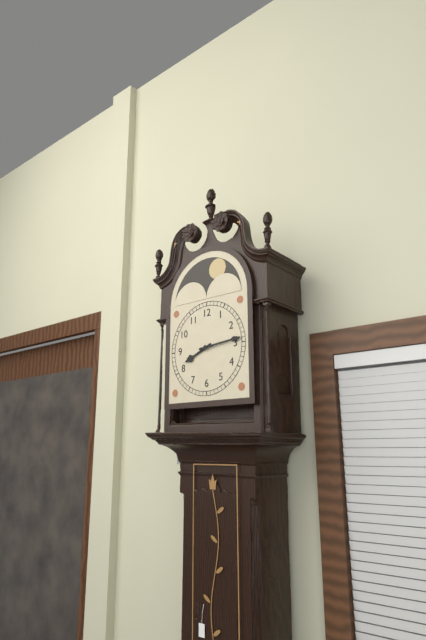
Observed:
8.14
